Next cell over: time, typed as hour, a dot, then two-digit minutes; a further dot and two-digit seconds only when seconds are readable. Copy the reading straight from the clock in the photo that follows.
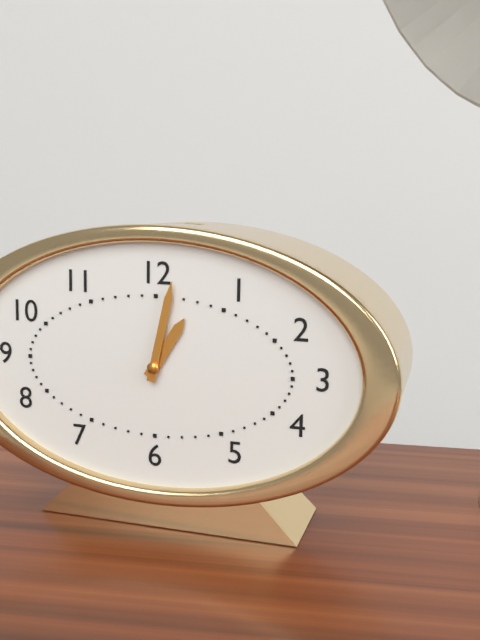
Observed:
1.02
